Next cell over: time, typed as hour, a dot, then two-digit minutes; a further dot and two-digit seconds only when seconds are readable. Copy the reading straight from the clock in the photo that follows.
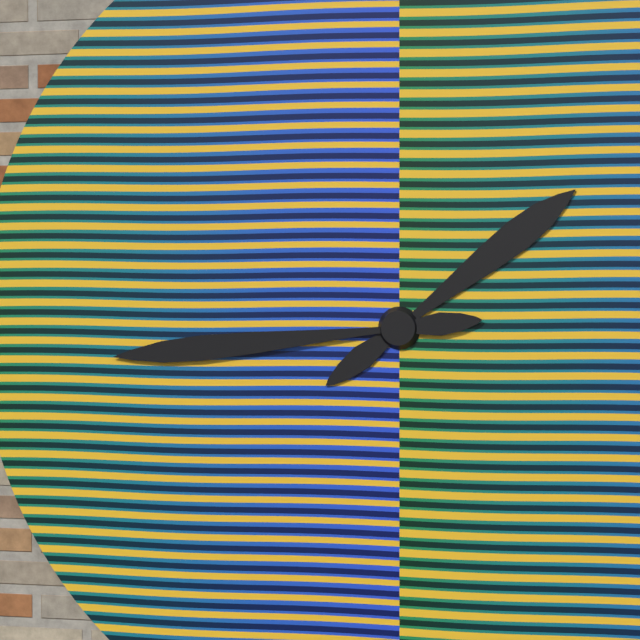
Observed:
1.44
